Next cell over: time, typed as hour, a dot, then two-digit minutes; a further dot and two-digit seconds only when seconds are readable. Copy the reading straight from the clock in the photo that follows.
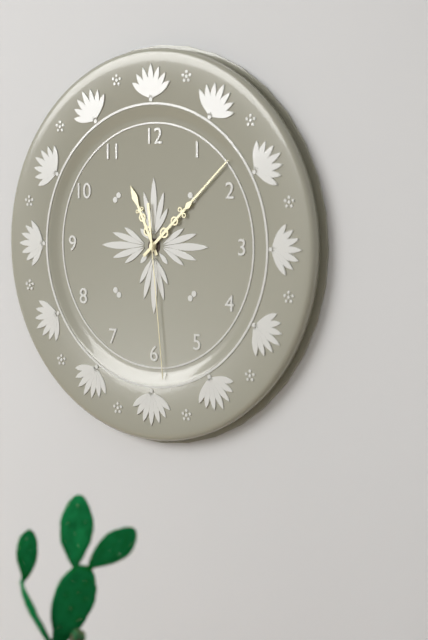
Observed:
11.08.29
